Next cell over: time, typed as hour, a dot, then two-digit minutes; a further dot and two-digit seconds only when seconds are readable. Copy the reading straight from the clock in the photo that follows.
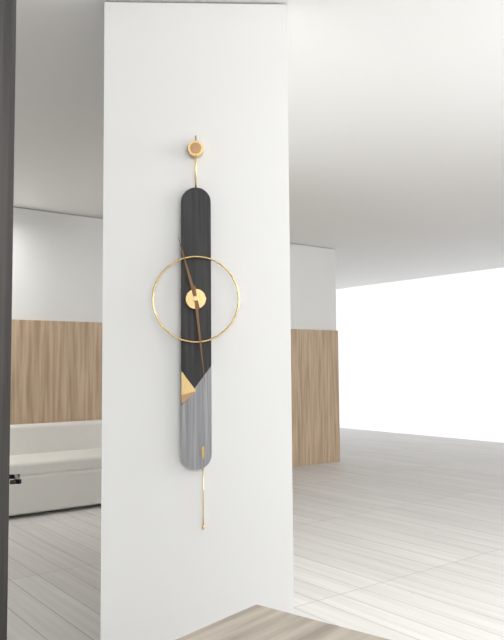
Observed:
11.29
